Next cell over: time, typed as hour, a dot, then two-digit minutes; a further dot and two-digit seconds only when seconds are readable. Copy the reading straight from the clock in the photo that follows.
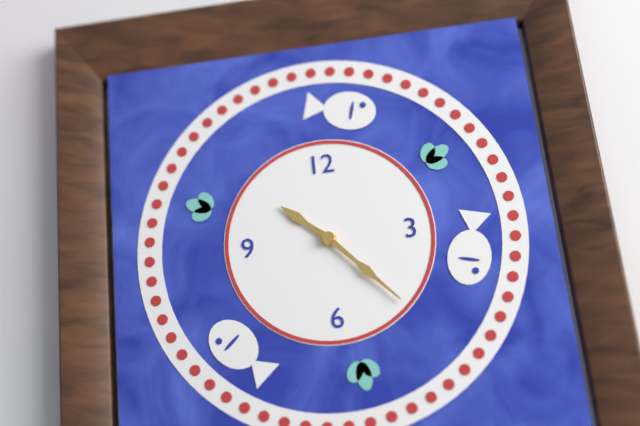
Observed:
10.23
